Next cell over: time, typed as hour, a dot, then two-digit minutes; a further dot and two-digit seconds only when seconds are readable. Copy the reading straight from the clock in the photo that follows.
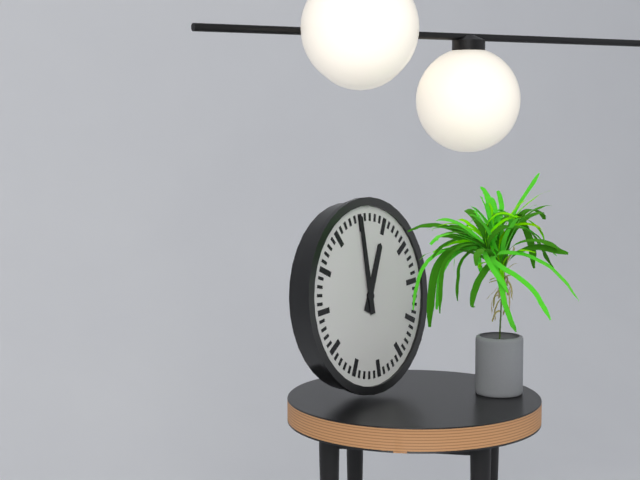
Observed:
1.00
